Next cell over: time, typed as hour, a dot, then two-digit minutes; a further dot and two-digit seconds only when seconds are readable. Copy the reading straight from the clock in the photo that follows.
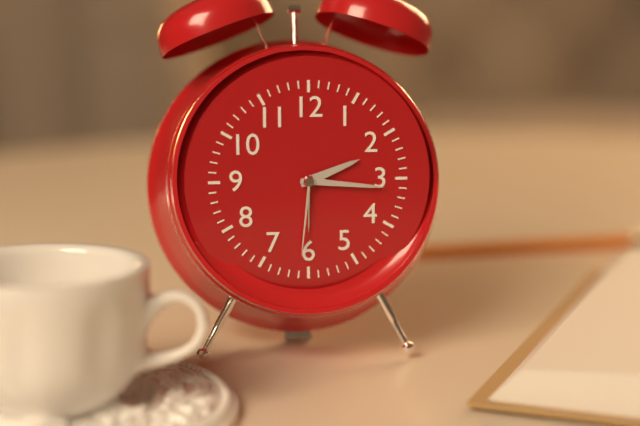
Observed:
2.16.31
